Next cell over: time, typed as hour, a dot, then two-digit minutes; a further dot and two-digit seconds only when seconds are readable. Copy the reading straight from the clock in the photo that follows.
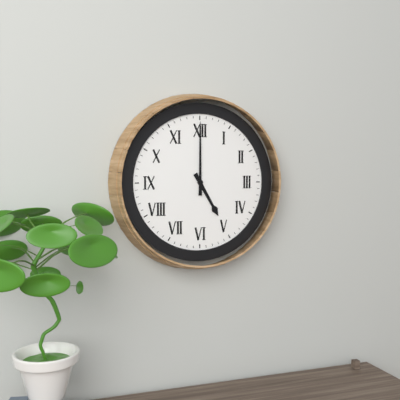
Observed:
5.00
